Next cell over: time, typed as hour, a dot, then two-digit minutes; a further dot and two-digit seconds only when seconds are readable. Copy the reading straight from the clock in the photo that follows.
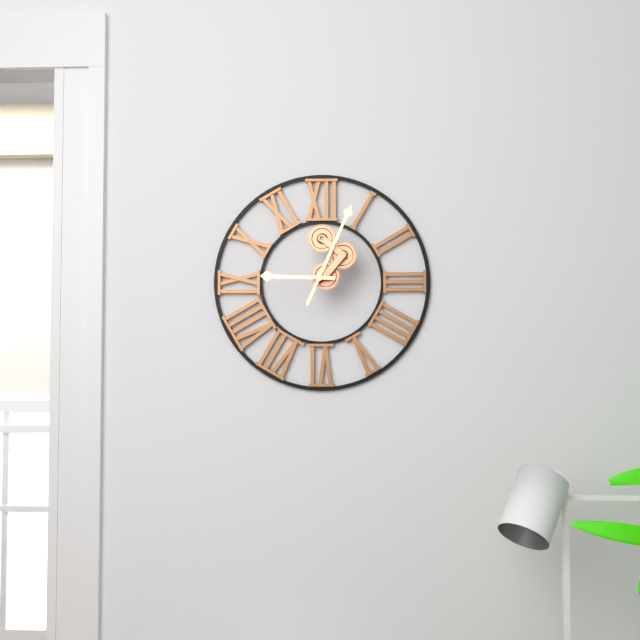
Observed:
9.04
